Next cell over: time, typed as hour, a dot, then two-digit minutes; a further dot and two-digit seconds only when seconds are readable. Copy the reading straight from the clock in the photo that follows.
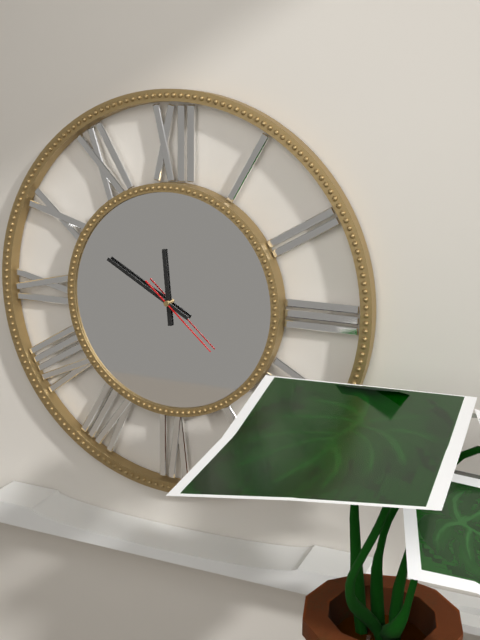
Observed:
11.50.22
